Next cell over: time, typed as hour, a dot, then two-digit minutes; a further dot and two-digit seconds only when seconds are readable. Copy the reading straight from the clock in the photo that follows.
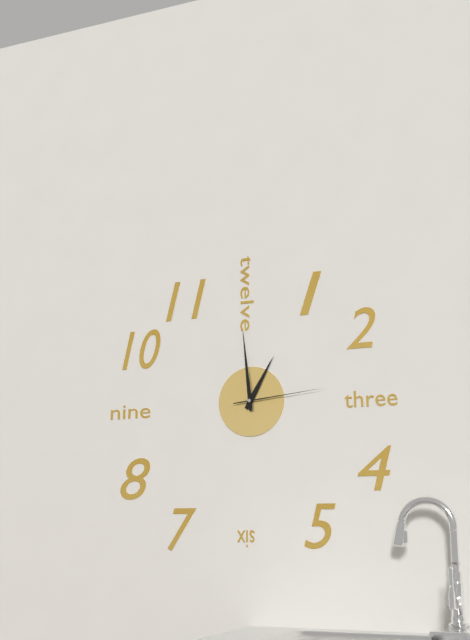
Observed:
12.59.14
